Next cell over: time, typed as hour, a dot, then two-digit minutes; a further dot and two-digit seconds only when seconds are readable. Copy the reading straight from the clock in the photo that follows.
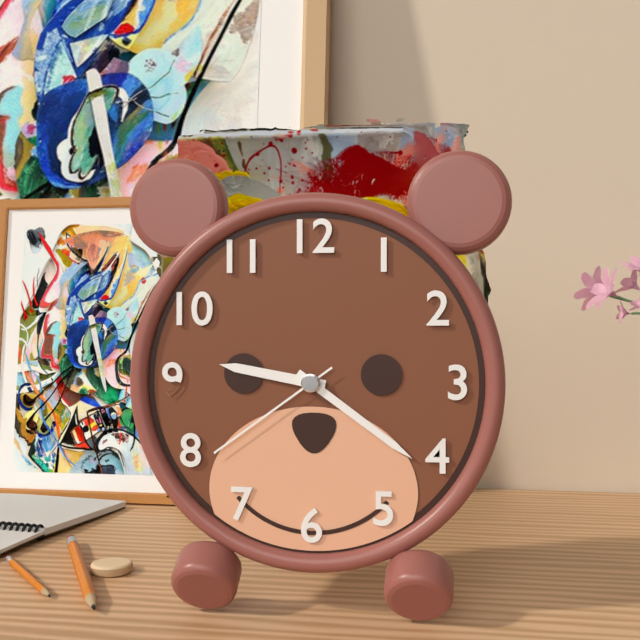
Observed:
9.21.39
